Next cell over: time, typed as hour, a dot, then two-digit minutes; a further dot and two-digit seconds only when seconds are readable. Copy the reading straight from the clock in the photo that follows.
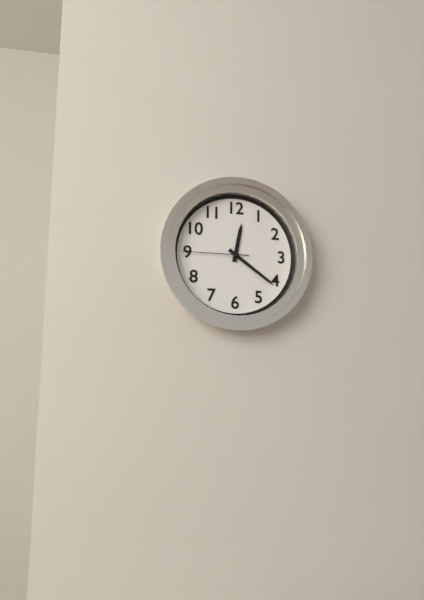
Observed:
12.21.45
